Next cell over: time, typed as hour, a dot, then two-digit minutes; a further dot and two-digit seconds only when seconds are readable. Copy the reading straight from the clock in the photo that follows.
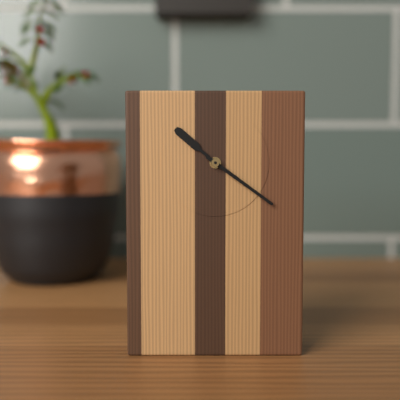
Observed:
10.21
